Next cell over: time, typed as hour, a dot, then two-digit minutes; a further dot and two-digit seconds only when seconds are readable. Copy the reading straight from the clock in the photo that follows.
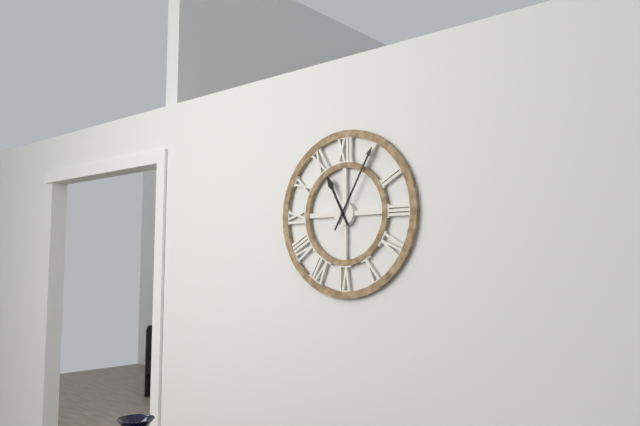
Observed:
11.05
